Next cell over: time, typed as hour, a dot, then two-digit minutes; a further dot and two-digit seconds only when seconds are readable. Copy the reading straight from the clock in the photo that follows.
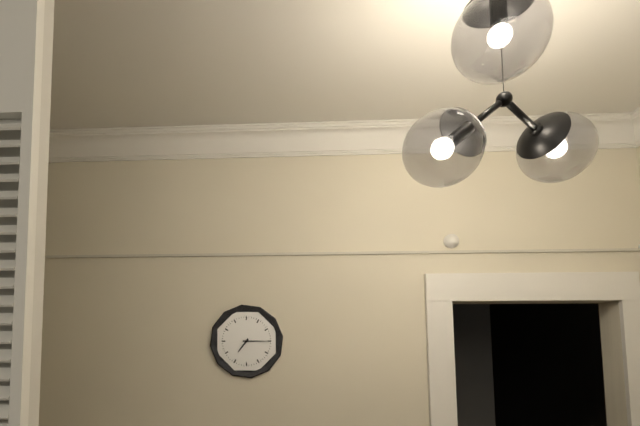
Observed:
7.15
